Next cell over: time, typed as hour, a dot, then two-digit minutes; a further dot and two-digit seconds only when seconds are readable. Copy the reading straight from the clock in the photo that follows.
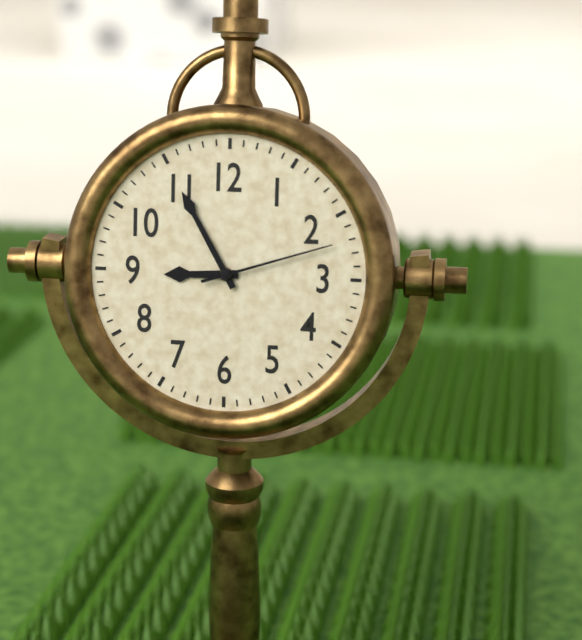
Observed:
8.55.12
